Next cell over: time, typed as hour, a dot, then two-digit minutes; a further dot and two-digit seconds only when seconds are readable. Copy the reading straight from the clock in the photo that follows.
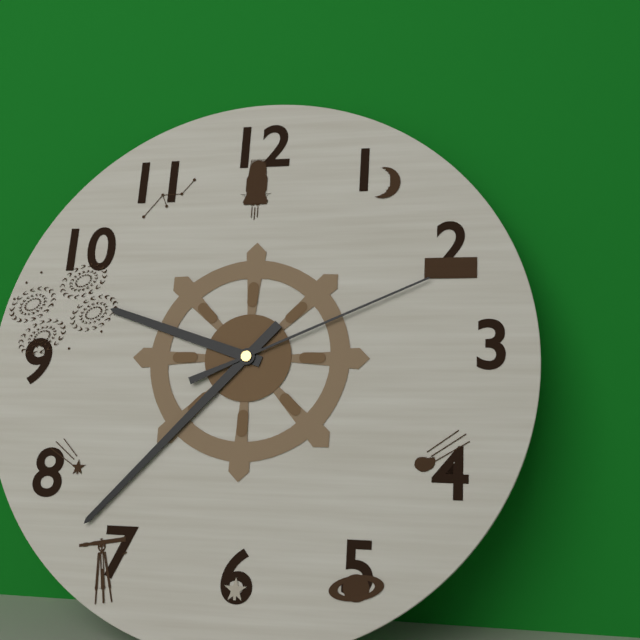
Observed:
9.37.11
